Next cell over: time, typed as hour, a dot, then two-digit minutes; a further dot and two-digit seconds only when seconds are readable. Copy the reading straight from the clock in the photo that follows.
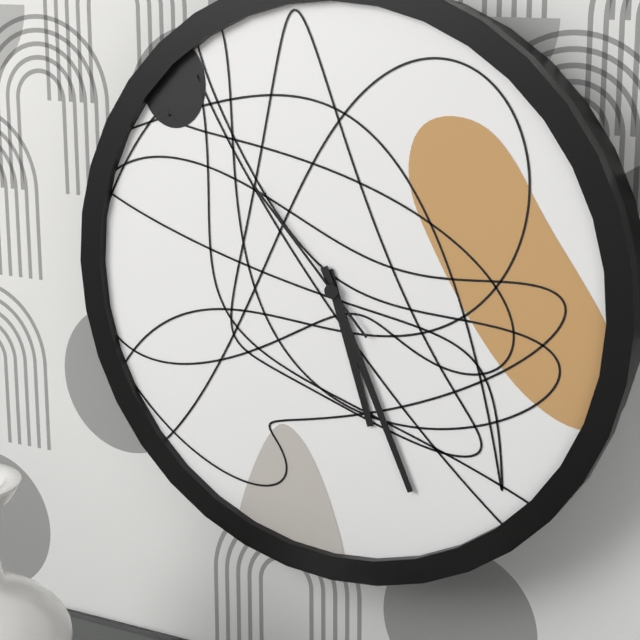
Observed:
5.26.53
